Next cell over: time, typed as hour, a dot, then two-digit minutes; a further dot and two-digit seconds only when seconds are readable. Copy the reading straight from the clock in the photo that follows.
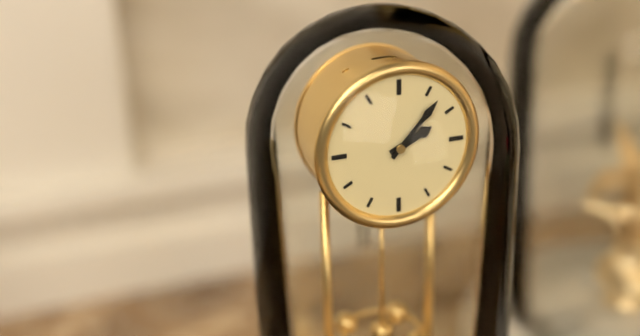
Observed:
2.07
